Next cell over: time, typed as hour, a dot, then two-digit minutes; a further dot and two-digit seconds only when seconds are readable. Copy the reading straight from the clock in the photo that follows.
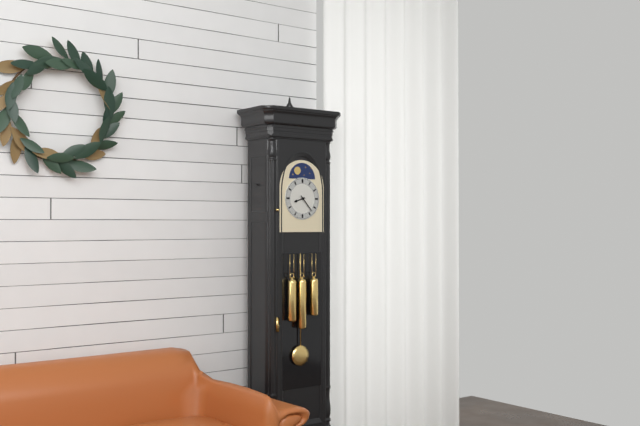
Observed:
8.23
